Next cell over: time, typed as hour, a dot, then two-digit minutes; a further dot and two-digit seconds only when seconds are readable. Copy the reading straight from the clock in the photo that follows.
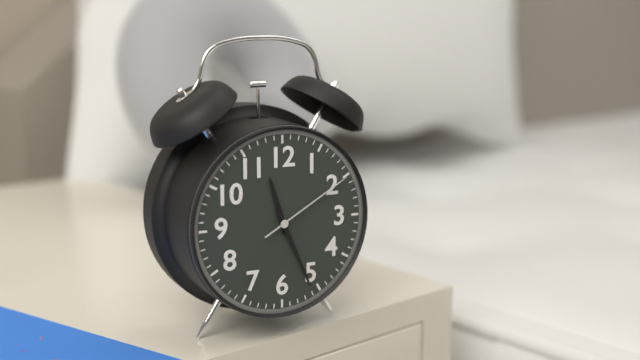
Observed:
11.26.10
